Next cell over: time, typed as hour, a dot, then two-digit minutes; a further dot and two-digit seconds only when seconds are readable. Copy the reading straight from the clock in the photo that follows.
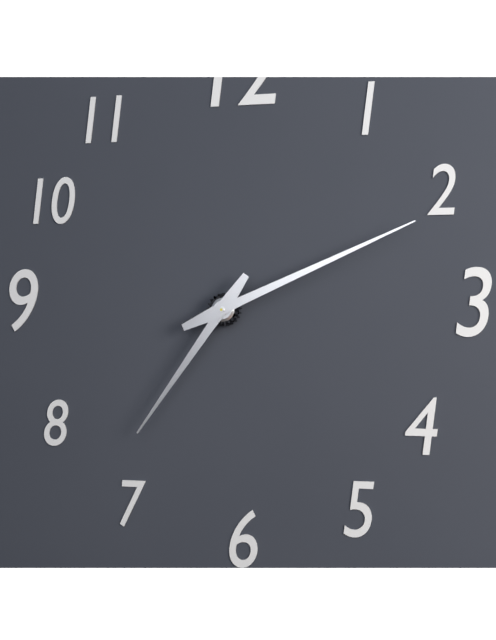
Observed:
7.11
